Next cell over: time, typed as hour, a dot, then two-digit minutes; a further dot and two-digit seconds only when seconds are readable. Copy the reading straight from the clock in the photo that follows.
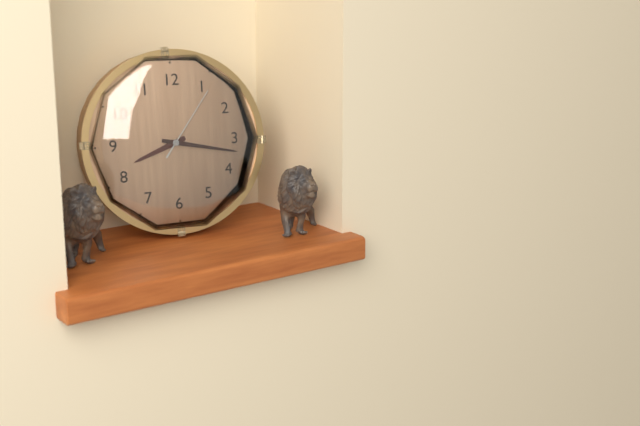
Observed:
8.17.06
